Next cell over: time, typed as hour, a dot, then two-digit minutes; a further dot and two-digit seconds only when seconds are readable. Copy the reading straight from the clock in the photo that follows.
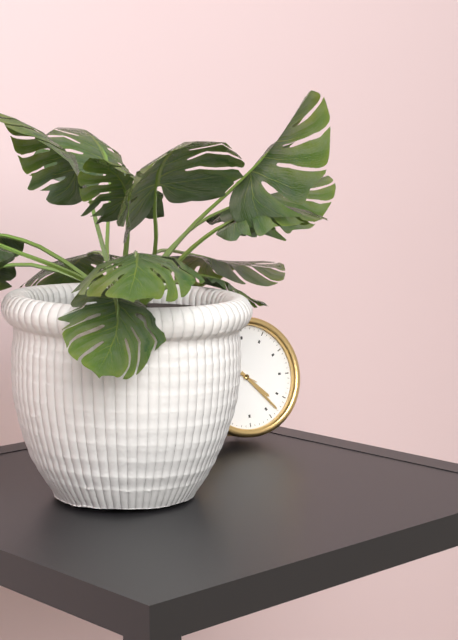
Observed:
4.23
